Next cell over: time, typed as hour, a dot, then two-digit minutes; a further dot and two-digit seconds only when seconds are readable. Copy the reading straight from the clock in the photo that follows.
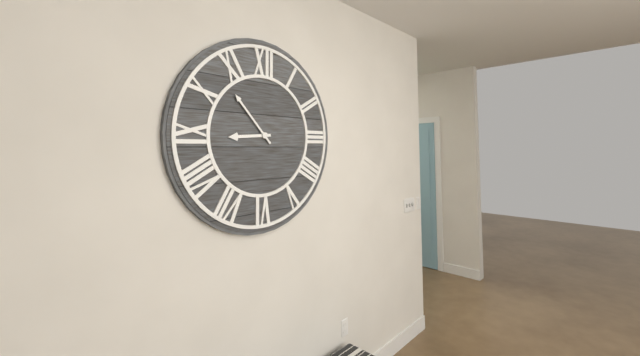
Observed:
8.53
